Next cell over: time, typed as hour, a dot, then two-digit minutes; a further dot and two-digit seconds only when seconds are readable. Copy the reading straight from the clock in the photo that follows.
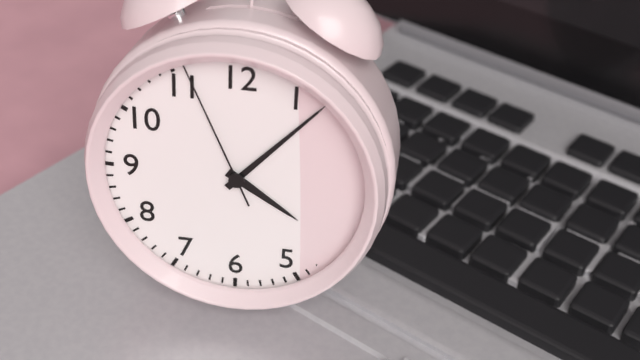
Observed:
4.07.56
